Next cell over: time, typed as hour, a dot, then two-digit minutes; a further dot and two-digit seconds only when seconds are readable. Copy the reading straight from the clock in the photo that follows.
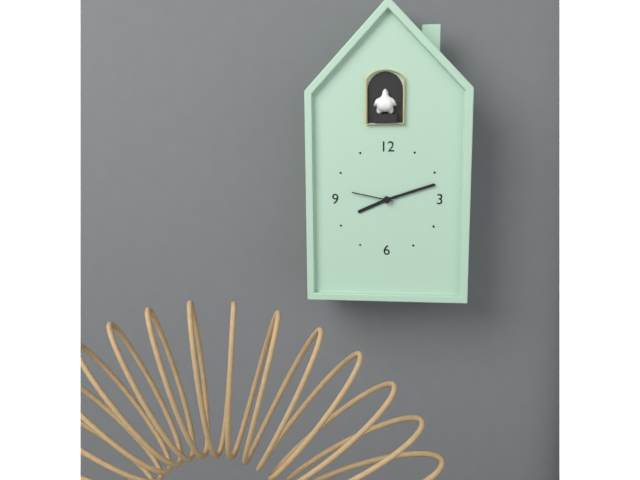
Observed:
8.12
